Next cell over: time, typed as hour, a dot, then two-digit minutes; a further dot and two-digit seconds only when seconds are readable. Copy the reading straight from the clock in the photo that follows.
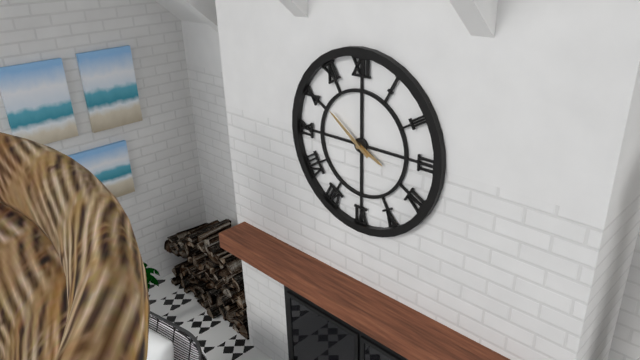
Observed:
3.51
